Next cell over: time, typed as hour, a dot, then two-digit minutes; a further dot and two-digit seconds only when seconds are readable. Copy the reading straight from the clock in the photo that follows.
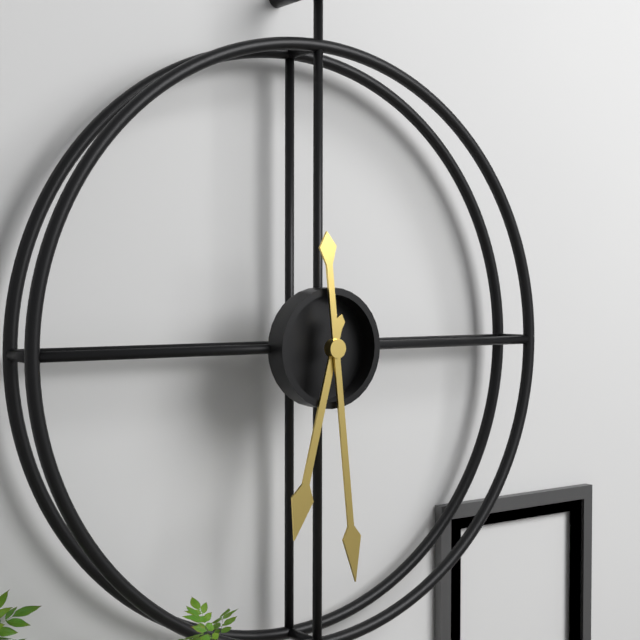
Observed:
6.29
